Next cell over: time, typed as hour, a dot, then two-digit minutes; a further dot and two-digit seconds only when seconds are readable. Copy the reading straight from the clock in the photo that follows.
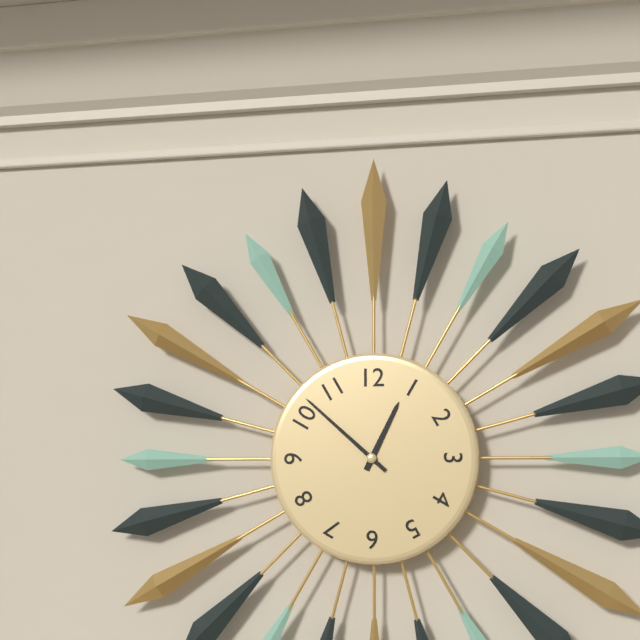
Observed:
12.52
